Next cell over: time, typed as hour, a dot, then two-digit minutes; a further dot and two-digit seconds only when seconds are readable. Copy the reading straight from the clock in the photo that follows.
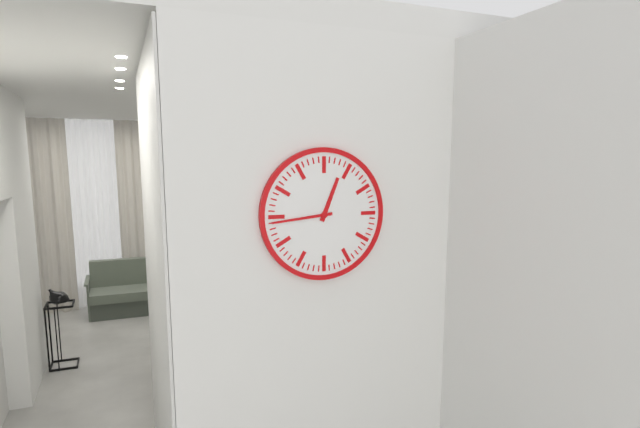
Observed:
12.44
